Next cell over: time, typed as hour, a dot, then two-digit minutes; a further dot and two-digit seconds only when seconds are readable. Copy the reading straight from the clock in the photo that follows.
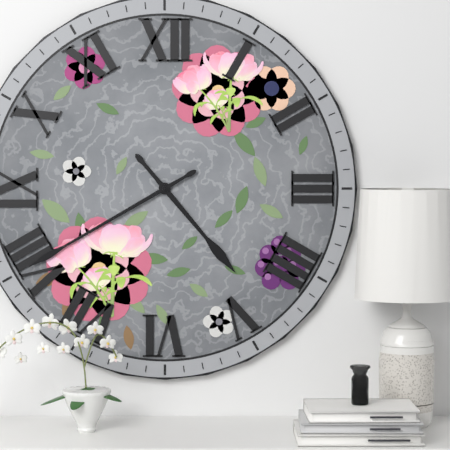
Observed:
4.40
